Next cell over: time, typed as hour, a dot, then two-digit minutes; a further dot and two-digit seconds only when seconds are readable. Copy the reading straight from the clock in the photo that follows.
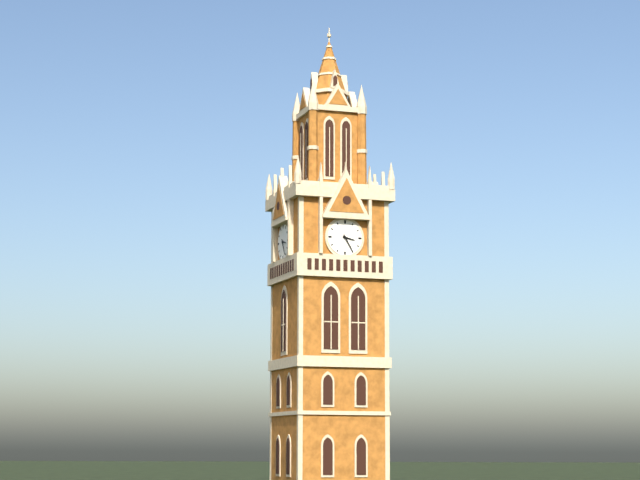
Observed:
3.25
